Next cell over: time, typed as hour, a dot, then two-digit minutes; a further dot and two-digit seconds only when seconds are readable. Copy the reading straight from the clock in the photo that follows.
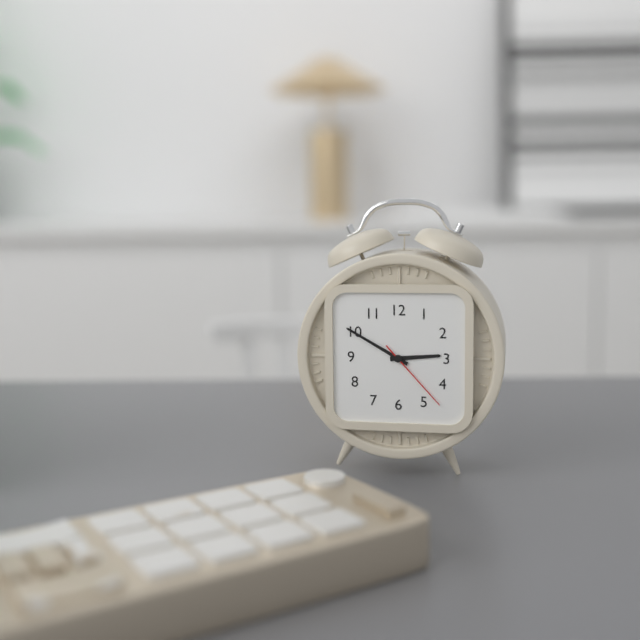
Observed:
2.50.23
